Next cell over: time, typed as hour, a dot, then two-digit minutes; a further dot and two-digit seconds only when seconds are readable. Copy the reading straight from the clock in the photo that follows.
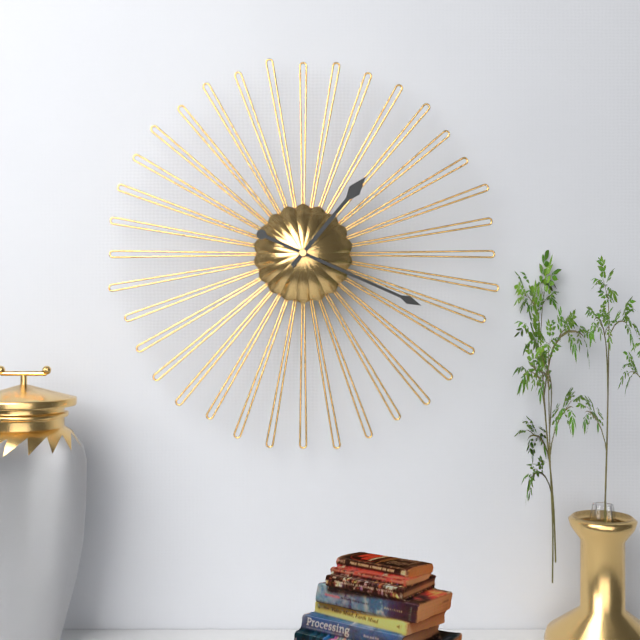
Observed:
1.19
